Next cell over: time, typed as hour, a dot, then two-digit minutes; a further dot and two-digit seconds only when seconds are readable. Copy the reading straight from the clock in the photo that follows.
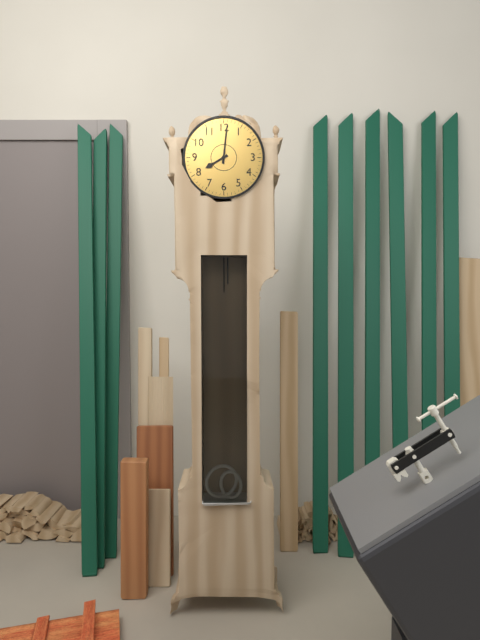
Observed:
8.01
